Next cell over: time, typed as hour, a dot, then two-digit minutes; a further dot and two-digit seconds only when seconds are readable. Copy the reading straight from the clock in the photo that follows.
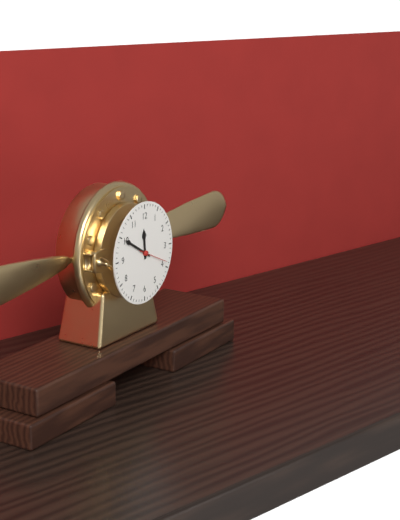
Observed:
11.50
